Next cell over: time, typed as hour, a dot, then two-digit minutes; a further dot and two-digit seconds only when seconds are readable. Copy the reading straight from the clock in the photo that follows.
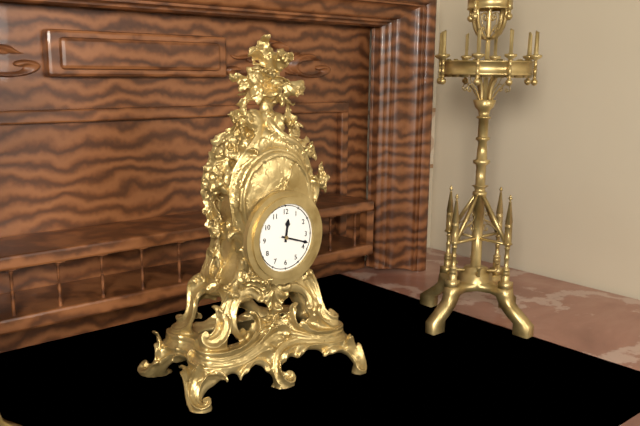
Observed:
12.18
